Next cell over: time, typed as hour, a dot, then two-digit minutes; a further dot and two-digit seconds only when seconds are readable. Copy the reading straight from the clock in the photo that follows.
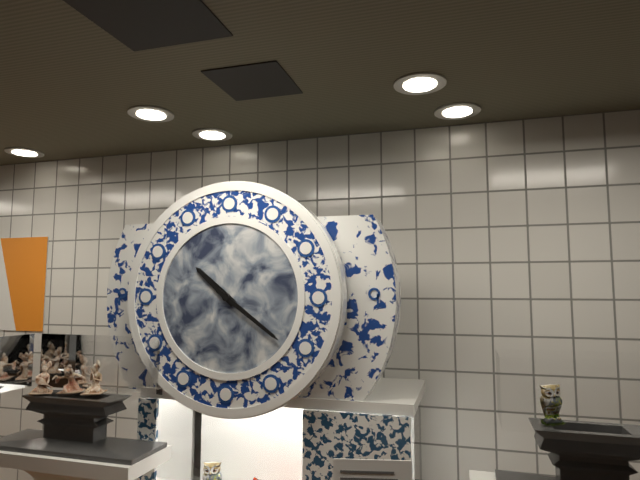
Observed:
10.21
